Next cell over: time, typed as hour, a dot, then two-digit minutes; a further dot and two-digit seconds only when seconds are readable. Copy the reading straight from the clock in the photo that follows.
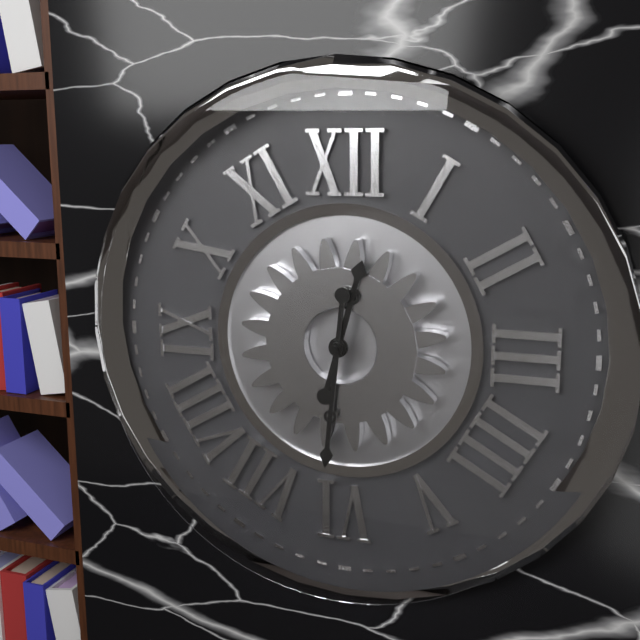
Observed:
12.31
